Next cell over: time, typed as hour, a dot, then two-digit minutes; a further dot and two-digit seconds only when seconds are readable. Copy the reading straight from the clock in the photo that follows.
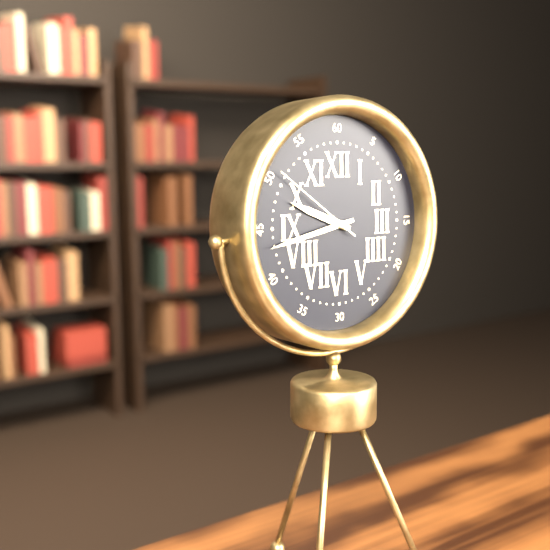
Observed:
9.43.51
